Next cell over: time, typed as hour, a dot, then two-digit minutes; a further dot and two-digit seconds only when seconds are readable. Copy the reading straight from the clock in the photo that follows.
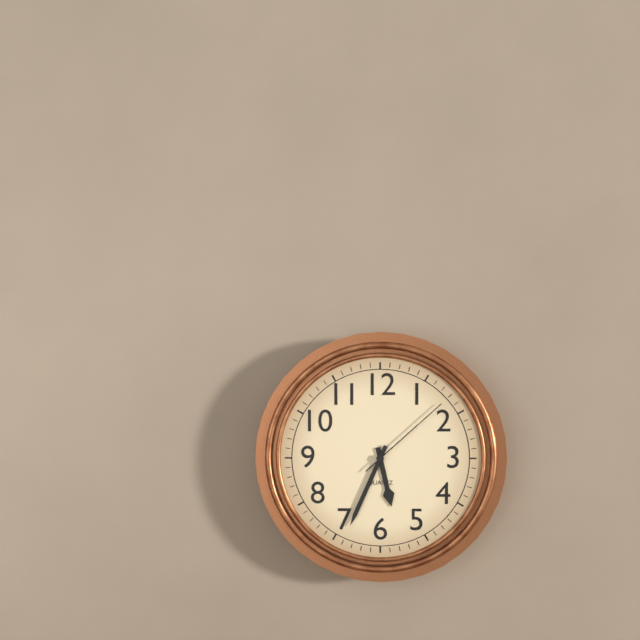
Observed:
5.34.08
